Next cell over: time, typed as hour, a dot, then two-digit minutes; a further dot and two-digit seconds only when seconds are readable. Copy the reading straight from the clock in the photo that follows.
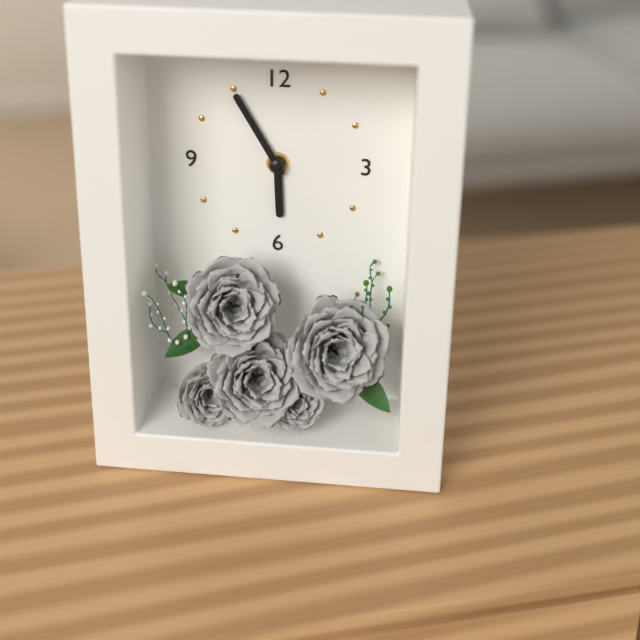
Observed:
5.55
